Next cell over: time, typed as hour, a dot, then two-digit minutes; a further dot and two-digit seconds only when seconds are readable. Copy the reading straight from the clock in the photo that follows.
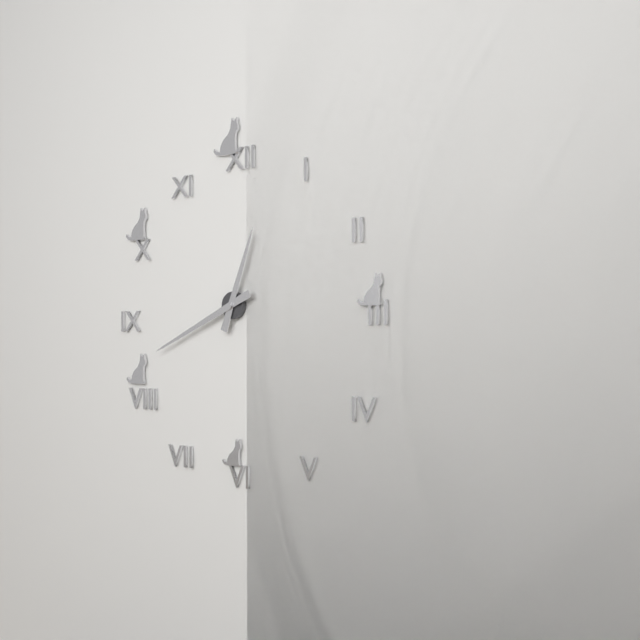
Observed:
12.41
